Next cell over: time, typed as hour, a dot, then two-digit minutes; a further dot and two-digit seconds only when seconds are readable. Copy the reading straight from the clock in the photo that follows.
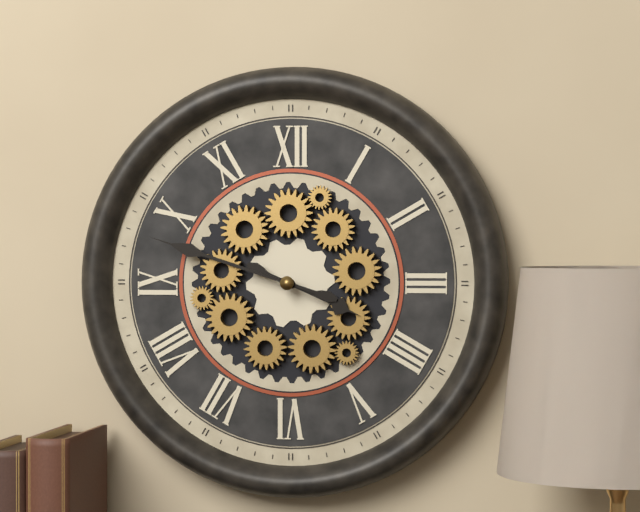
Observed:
3.48
